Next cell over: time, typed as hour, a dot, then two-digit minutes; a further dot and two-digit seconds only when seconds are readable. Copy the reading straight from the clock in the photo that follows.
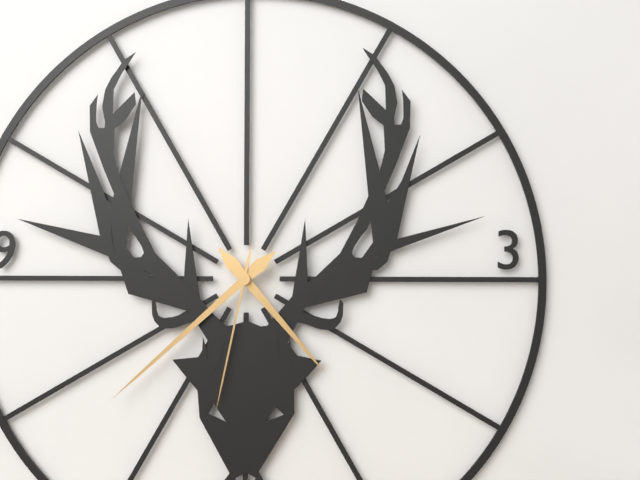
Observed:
4.38.32
